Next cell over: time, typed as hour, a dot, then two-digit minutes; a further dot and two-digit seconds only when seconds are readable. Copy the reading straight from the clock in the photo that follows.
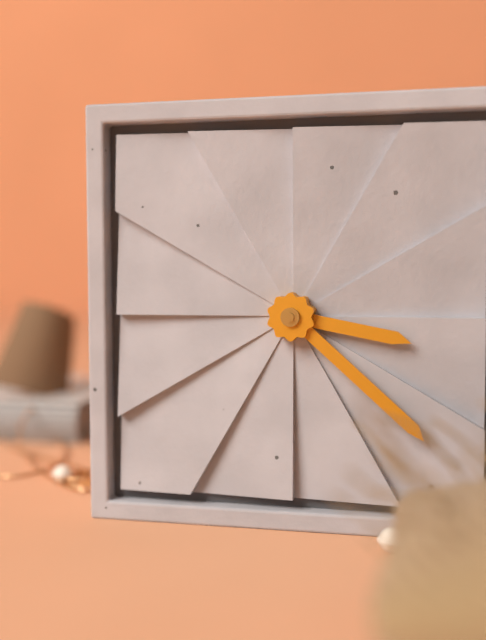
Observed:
3.22
